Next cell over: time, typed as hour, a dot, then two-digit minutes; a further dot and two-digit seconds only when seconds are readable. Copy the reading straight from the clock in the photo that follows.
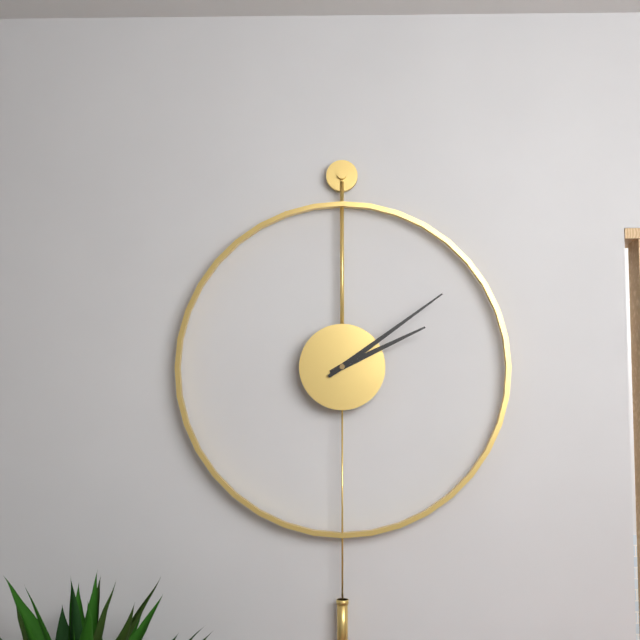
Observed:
2.09
